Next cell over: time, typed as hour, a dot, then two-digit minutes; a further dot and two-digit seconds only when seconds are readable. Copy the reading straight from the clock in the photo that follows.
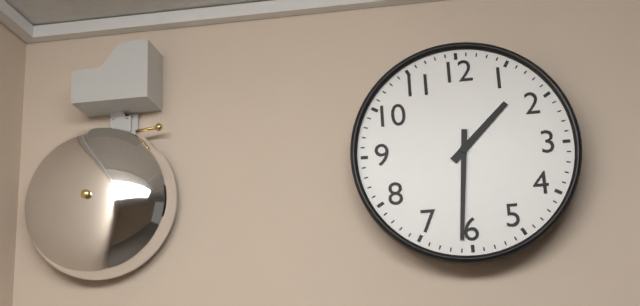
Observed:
1.31
